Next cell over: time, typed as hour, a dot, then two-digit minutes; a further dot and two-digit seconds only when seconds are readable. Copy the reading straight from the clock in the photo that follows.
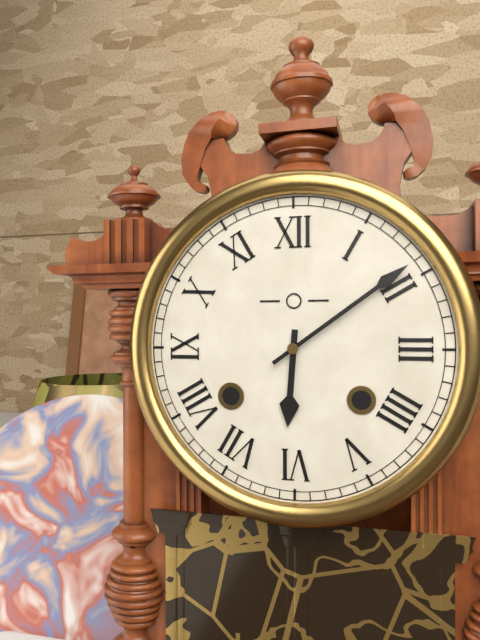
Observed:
6.09
